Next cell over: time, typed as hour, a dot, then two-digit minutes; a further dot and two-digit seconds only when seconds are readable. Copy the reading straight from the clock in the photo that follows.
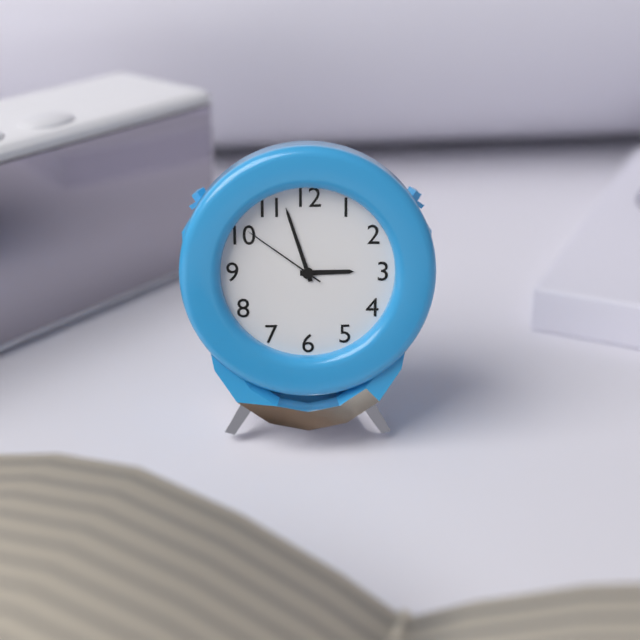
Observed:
2.57.51
